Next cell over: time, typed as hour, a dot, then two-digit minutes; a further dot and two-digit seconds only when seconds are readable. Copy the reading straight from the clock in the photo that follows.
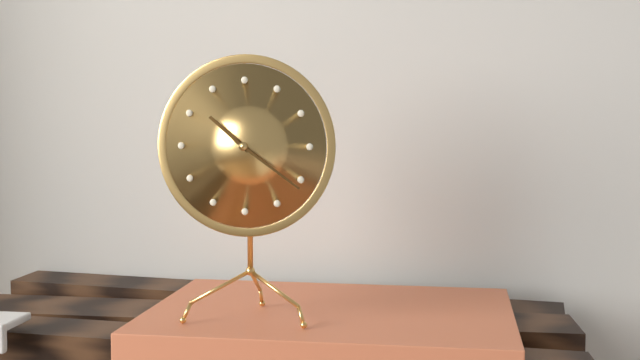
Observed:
10.21
